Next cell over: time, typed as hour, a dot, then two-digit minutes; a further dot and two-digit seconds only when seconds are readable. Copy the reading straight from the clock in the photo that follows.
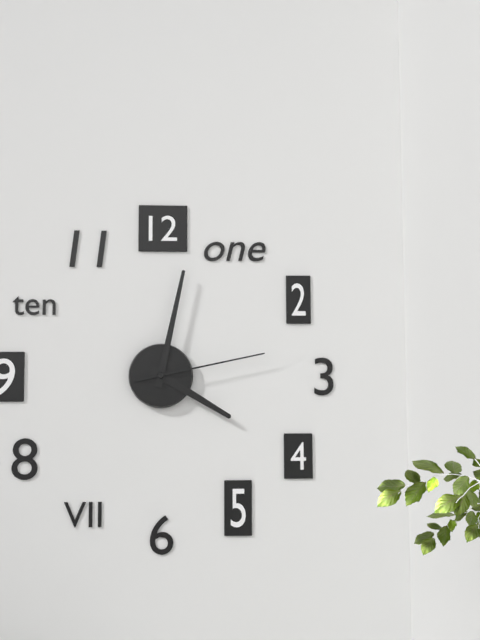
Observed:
4.02.13
